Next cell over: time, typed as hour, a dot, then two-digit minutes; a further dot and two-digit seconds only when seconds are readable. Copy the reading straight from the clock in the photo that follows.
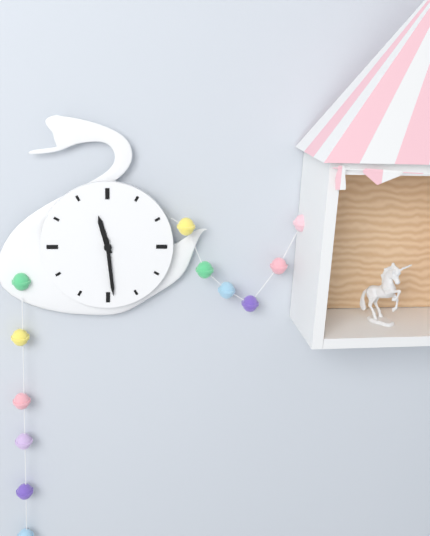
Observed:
11.29
